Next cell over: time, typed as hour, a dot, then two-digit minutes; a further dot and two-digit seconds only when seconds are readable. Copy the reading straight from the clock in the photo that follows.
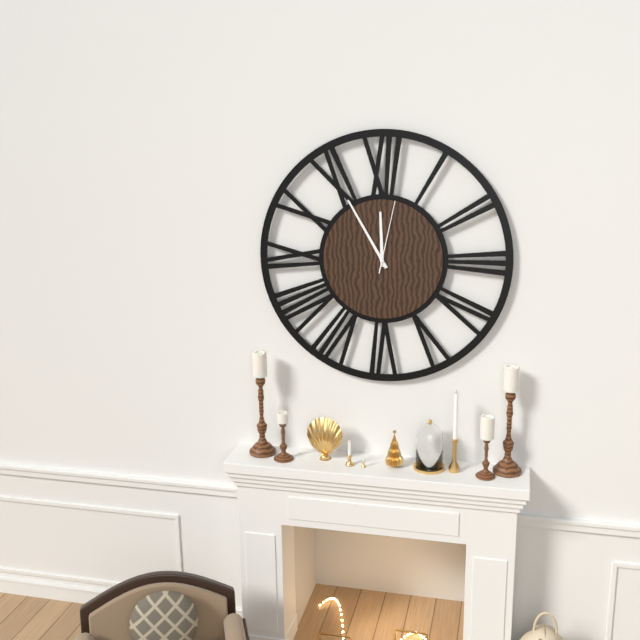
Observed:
11.55.02
